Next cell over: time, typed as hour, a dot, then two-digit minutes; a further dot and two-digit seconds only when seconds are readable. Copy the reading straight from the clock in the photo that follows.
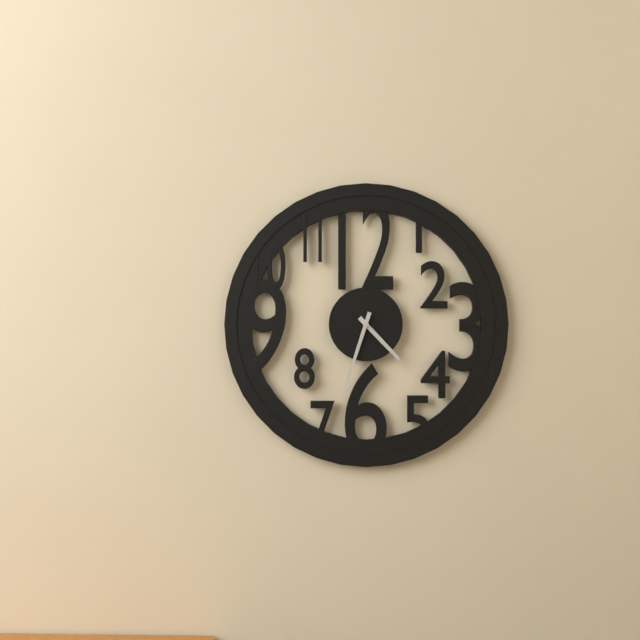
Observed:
4.33
